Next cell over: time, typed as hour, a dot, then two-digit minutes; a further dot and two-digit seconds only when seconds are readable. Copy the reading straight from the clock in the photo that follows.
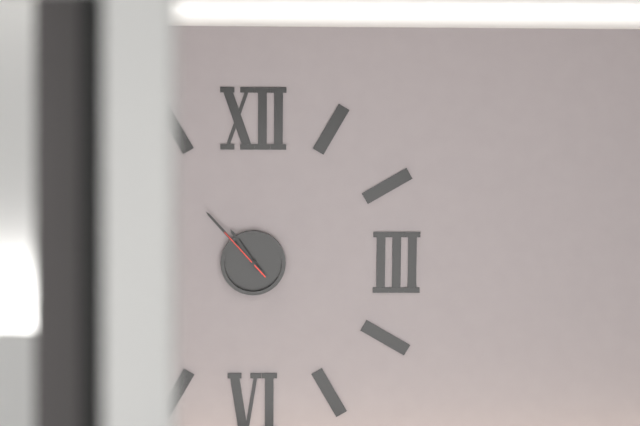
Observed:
10.53.53
